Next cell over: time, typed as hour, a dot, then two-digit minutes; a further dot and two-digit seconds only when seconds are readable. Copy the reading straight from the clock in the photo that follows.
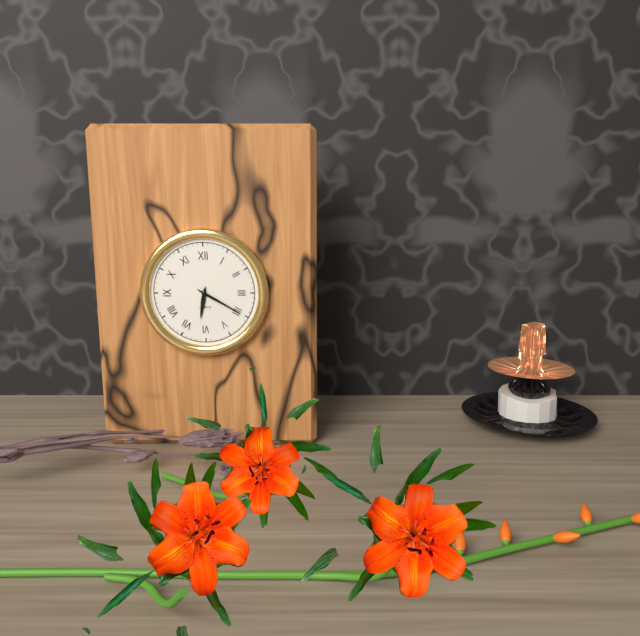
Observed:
6.20
